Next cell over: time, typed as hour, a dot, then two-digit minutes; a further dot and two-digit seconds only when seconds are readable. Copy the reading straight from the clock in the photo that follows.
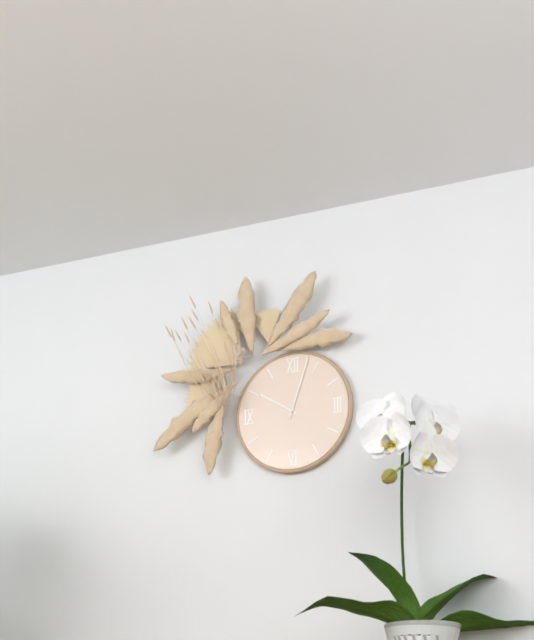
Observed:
10.03
